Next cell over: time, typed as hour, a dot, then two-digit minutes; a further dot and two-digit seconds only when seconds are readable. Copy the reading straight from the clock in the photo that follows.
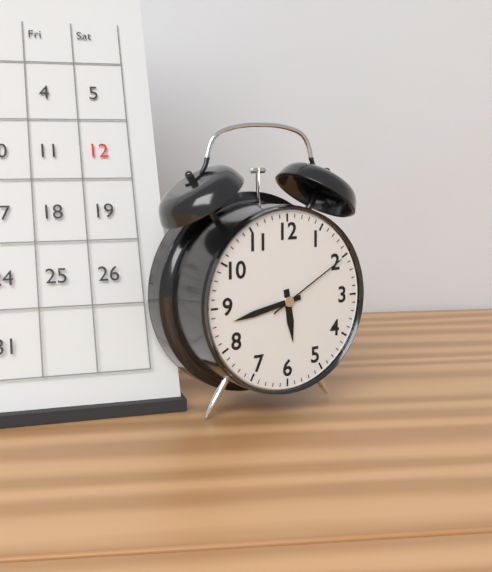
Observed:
5.43.10
